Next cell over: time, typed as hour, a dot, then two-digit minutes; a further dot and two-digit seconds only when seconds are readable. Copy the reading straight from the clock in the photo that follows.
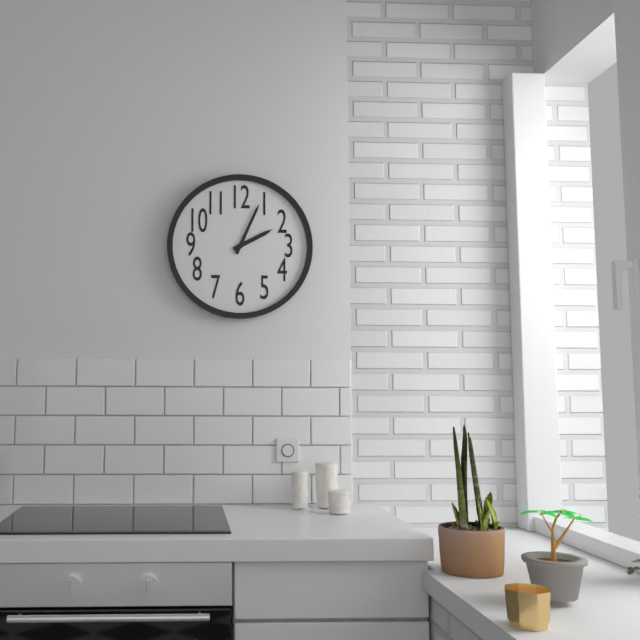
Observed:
2.04
